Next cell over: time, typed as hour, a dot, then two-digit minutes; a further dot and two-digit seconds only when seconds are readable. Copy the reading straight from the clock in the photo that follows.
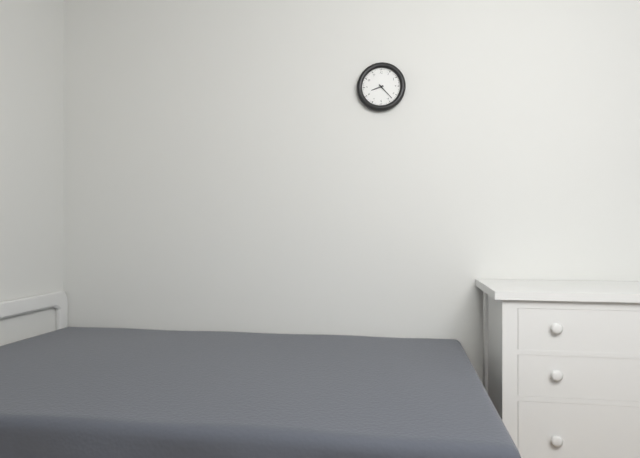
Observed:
8.23
